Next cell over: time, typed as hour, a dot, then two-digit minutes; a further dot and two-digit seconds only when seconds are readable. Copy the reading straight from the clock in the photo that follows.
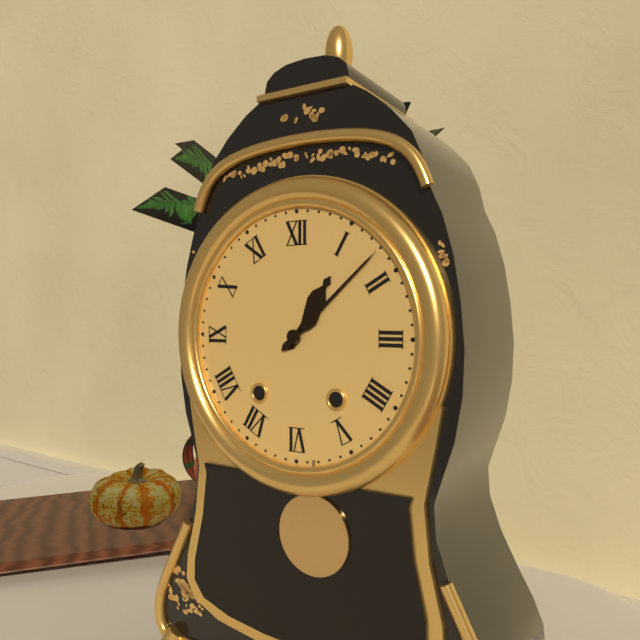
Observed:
1.08
